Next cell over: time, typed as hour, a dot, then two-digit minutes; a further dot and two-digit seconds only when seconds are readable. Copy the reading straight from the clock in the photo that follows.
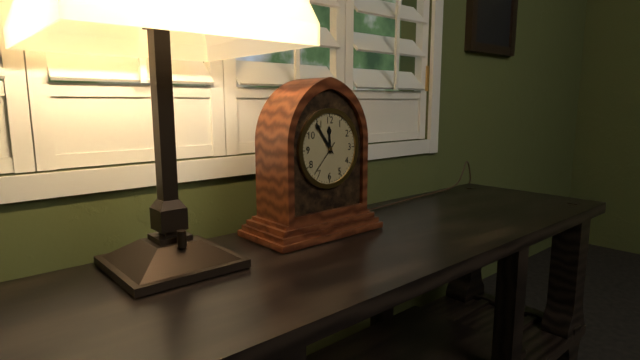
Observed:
11.54
